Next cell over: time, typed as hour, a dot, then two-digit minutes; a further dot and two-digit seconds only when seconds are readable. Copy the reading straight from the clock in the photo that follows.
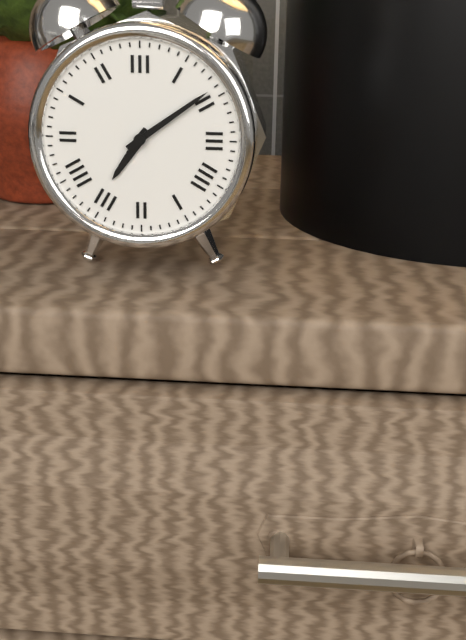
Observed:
7.09
